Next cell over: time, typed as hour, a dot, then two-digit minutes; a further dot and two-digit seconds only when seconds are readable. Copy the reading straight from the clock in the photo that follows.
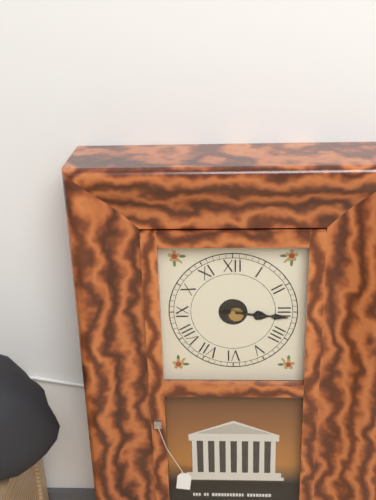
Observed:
3.16
